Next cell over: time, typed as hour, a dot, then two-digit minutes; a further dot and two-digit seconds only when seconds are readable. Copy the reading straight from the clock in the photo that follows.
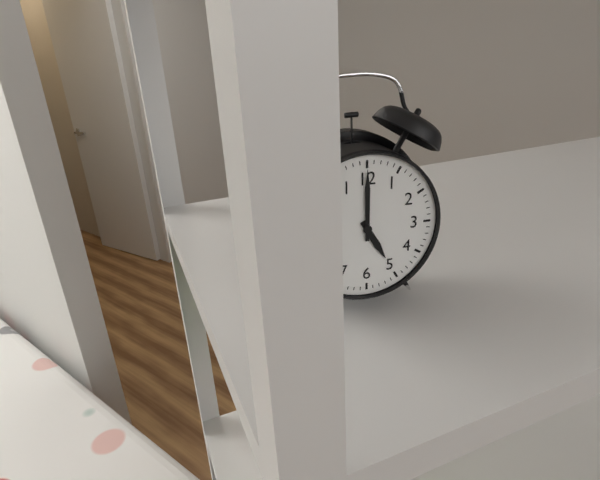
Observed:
5.00
